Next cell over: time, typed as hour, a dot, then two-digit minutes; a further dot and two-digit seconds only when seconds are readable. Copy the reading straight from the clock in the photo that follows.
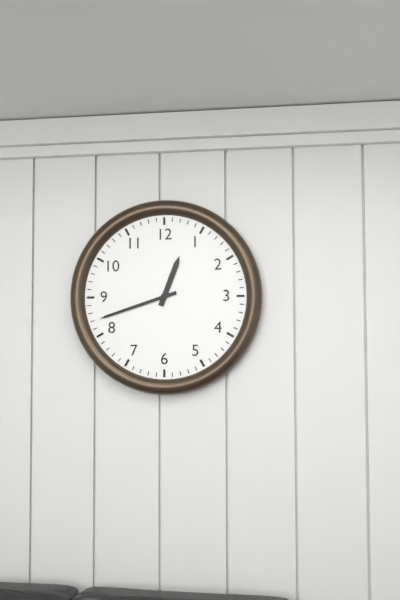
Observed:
12.42
